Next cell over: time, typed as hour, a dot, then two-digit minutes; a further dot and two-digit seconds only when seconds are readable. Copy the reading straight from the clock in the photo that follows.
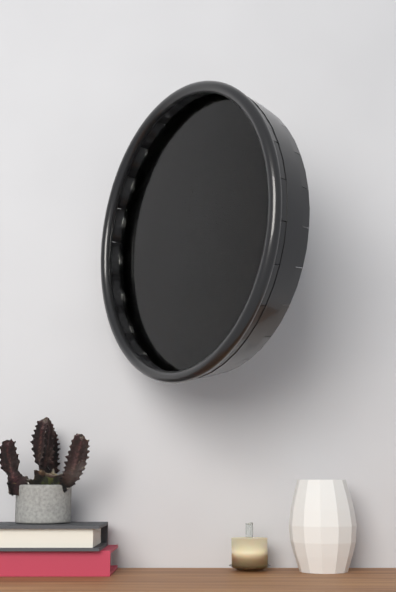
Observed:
4.31
